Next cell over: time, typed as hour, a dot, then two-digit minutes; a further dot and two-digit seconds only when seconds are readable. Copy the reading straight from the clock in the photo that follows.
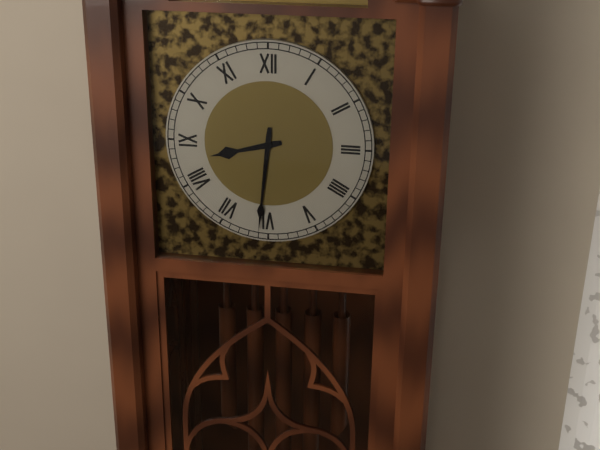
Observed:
8.31
